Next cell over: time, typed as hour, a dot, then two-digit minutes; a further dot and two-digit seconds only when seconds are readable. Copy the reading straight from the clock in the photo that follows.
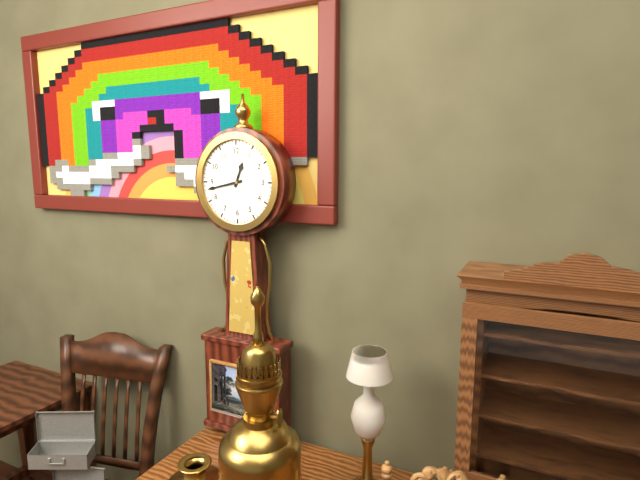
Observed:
12.43
